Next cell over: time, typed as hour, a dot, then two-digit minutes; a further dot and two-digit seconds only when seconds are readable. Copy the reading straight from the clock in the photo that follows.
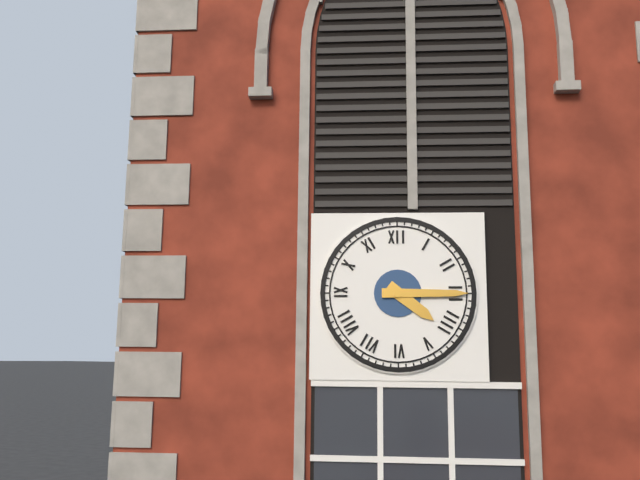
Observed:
4.15
